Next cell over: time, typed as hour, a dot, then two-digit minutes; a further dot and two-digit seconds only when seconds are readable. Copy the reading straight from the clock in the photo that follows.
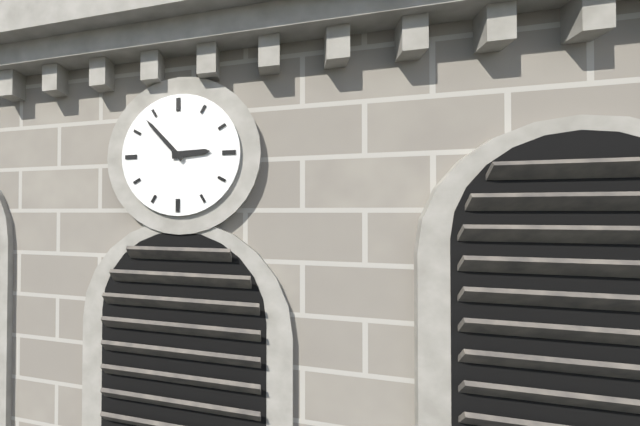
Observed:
2.53
